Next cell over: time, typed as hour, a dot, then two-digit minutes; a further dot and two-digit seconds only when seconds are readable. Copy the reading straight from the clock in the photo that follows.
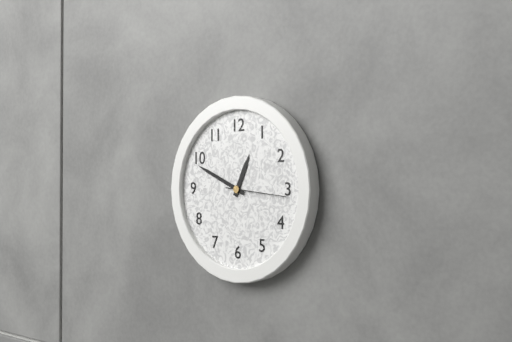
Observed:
12.49.16
